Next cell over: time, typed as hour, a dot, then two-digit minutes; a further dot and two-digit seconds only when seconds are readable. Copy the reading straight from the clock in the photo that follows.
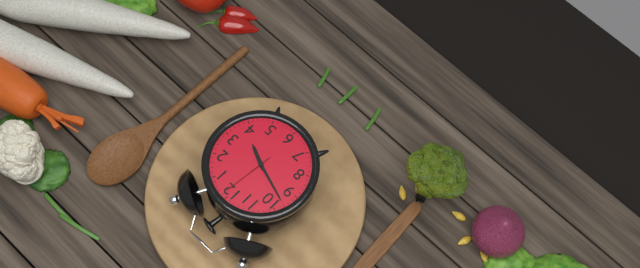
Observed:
3.48.01
